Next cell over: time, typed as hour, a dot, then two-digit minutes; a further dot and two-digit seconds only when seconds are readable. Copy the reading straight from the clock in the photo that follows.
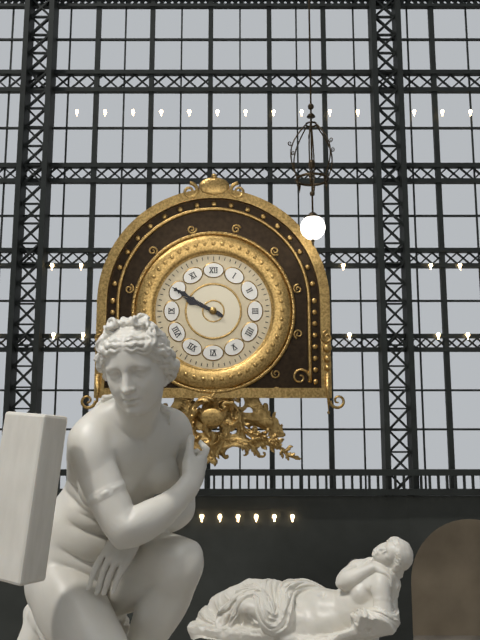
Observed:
9.50
